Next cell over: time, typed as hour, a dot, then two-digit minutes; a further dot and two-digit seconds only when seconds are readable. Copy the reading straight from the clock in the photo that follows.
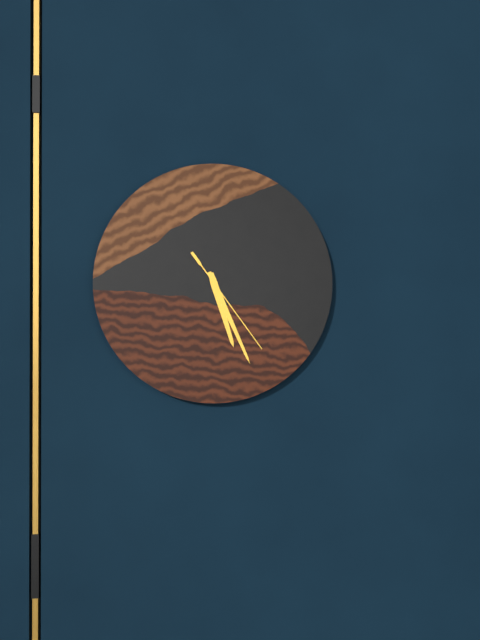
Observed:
5.26.24
